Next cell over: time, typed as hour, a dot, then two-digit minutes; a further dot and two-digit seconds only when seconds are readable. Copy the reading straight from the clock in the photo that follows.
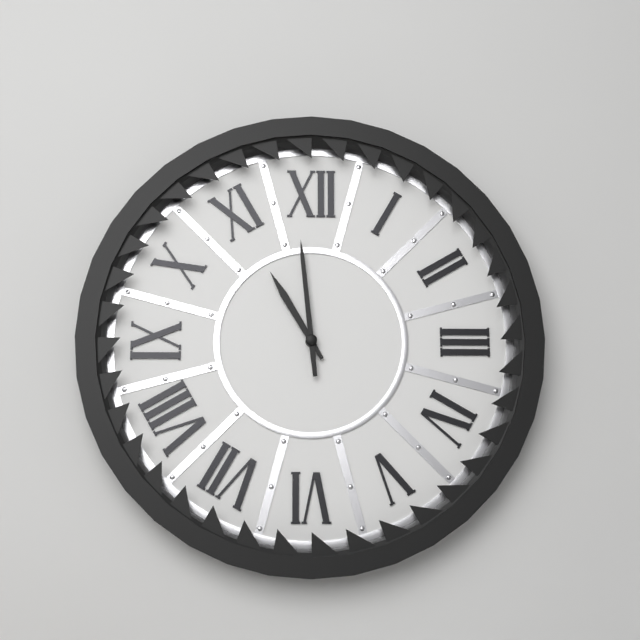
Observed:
10.59
